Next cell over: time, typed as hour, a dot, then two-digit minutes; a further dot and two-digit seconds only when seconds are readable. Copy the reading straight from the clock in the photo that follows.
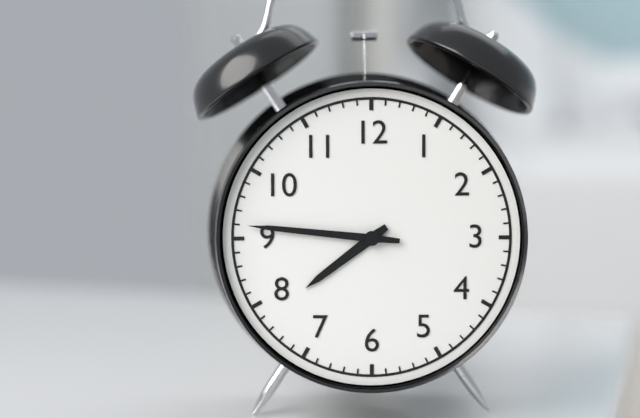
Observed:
7.46
